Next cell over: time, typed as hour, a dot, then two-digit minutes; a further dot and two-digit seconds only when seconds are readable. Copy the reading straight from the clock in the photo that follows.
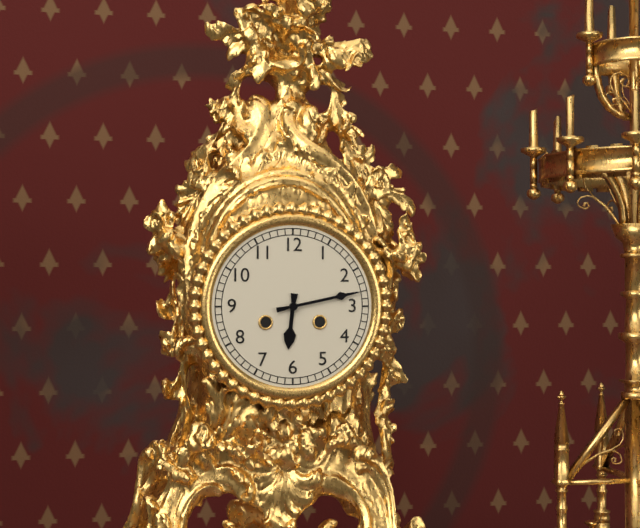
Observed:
6.13
